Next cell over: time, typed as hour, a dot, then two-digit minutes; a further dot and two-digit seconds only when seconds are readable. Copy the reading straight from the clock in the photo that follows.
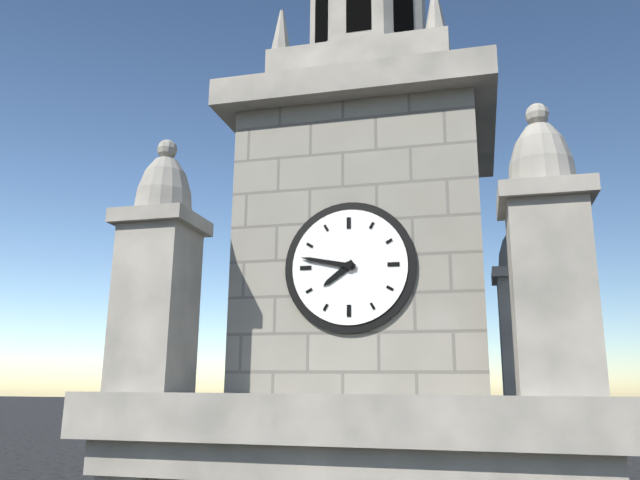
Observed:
7.47
